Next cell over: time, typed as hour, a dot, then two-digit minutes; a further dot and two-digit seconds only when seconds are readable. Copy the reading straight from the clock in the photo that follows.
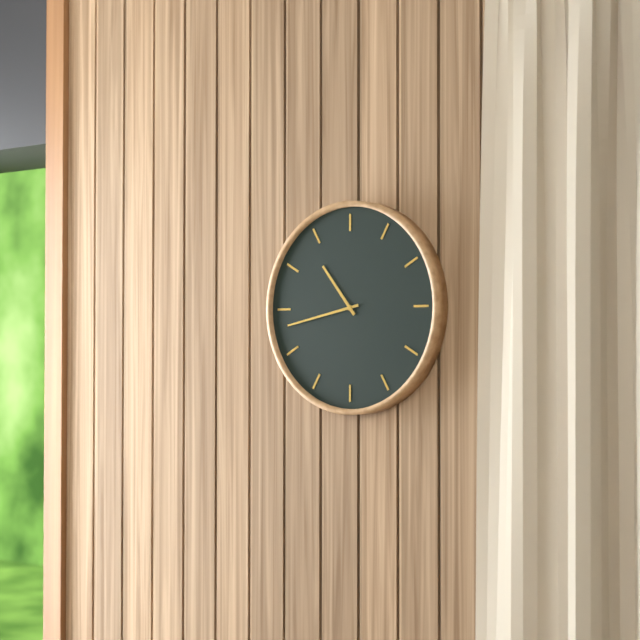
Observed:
10.43
